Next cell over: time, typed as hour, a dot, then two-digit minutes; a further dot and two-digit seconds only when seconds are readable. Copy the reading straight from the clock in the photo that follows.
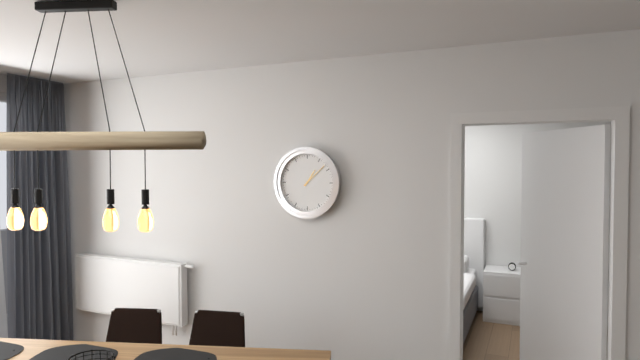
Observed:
1.08
